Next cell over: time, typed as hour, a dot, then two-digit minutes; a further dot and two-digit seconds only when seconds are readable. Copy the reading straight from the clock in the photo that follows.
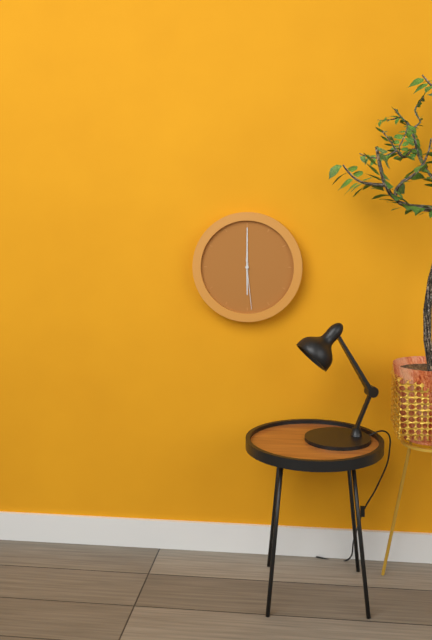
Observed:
6.00.29
